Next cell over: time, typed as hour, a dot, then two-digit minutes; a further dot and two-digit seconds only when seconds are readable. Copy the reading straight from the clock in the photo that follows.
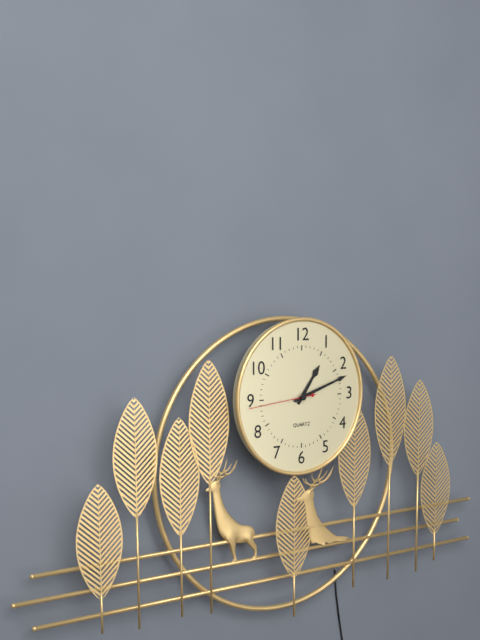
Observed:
1.12.44
